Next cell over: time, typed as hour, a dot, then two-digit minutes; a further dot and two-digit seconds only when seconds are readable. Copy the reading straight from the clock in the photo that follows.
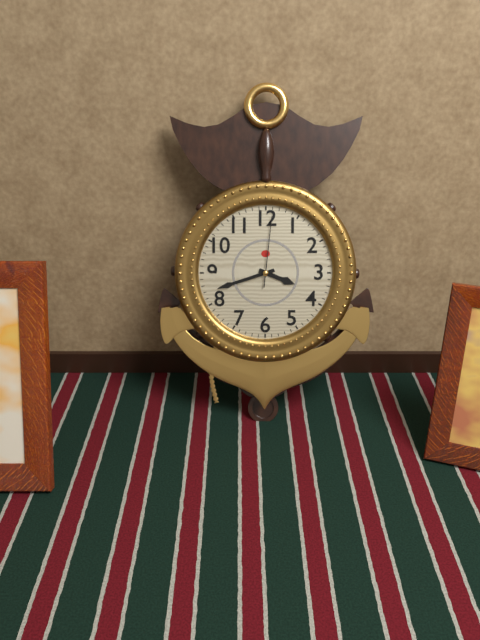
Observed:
3.42.01
